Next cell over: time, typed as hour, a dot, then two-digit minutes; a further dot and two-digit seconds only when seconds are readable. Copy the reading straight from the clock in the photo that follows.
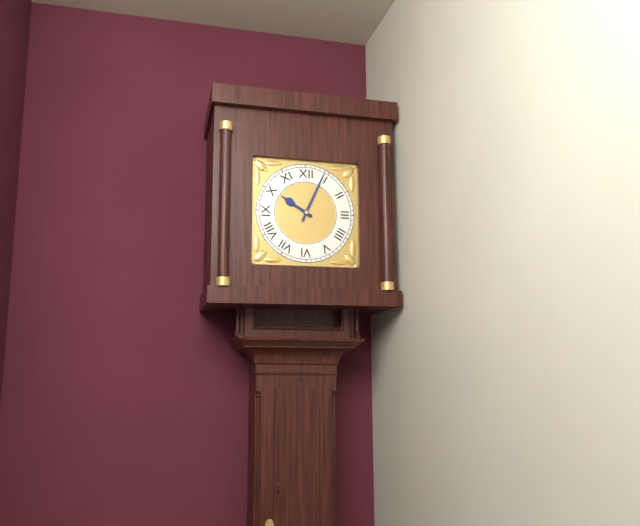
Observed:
10.04
